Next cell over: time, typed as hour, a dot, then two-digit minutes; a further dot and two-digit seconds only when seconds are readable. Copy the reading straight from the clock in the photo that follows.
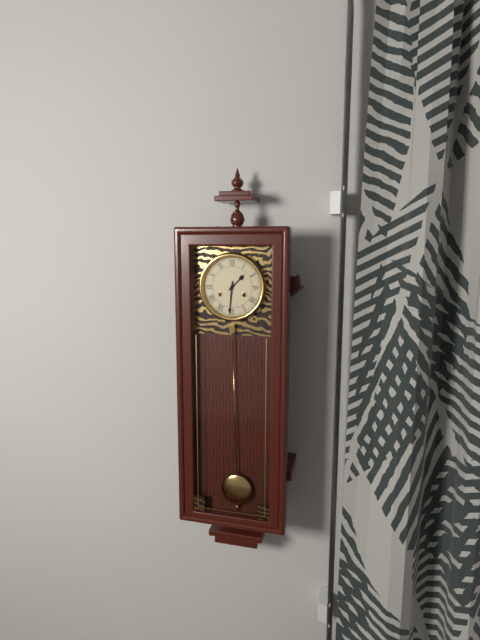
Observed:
1.31
